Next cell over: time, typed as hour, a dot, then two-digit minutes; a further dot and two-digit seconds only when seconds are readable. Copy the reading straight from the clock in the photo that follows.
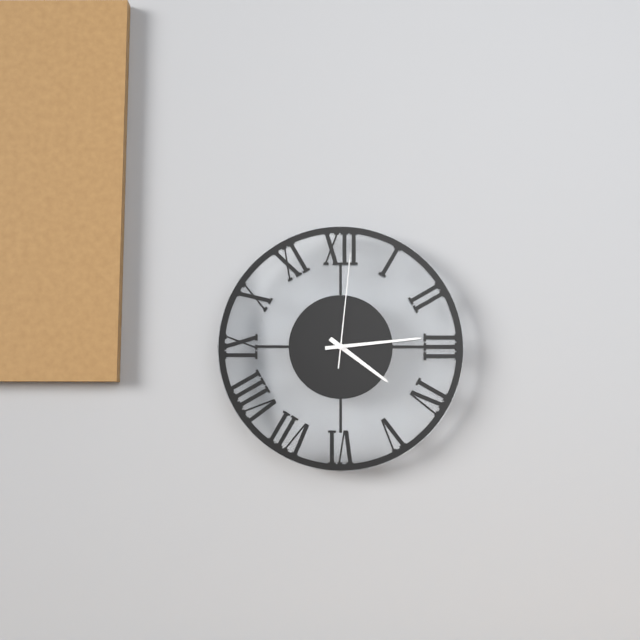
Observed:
4.14.01
